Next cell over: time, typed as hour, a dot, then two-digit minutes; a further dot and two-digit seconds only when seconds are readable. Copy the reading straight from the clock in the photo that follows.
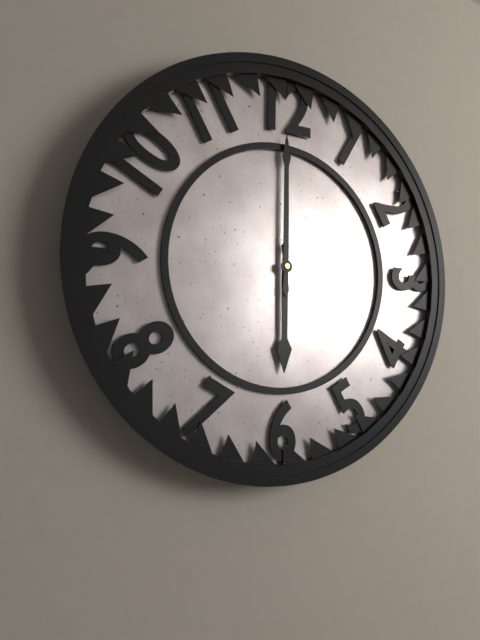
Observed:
6.00
